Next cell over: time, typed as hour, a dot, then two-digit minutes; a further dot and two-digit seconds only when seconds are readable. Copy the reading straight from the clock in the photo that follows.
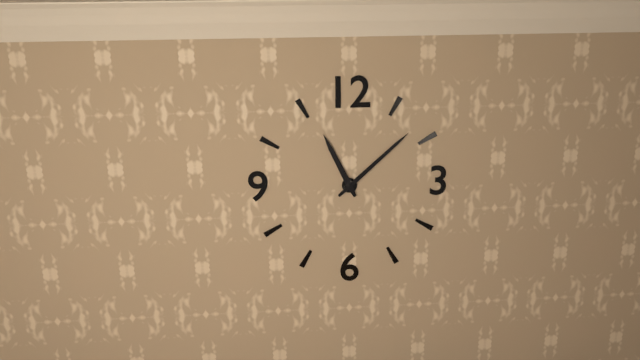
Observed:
11.08
